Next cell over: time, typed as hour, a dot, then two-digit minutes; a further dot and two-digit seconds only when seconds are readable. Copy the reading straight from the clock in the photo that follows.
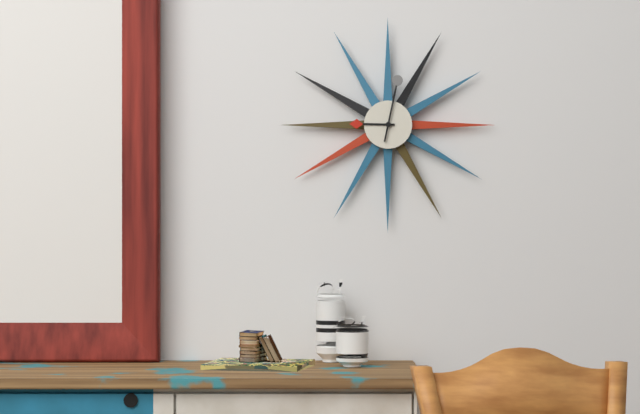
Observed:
9.02
